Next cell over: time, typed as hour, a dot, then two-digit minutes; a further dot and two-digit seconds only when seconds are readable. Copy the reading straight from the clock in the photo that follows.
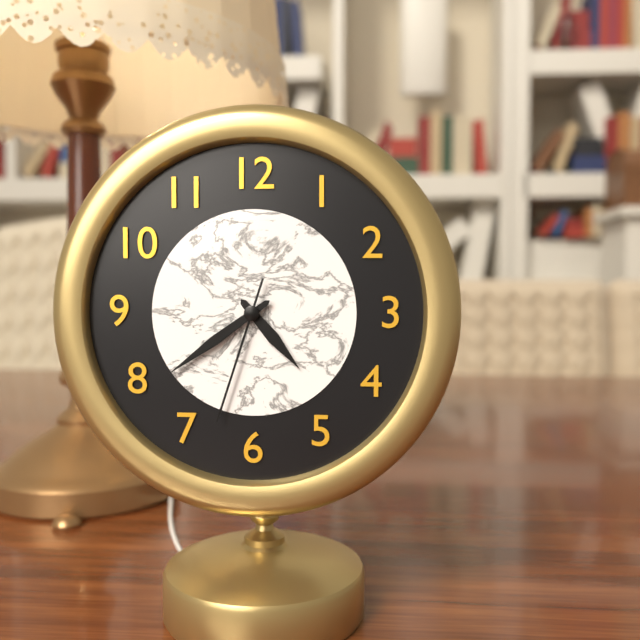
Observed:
4.39.33
